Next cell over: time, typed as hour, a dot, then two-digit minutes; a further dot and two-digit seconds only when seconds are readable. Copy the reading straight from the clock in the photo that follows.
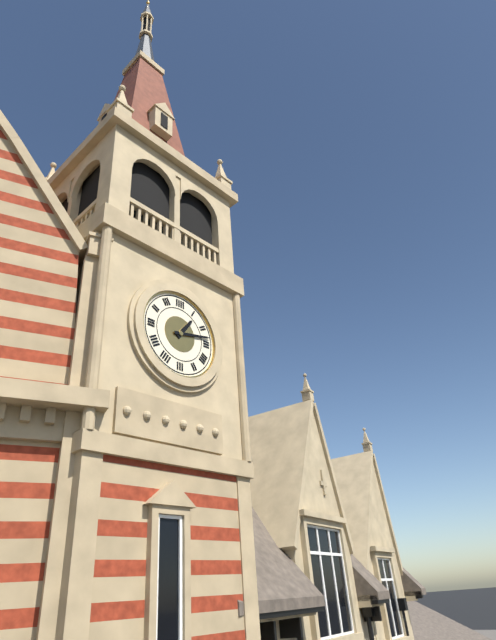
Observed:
1.13
